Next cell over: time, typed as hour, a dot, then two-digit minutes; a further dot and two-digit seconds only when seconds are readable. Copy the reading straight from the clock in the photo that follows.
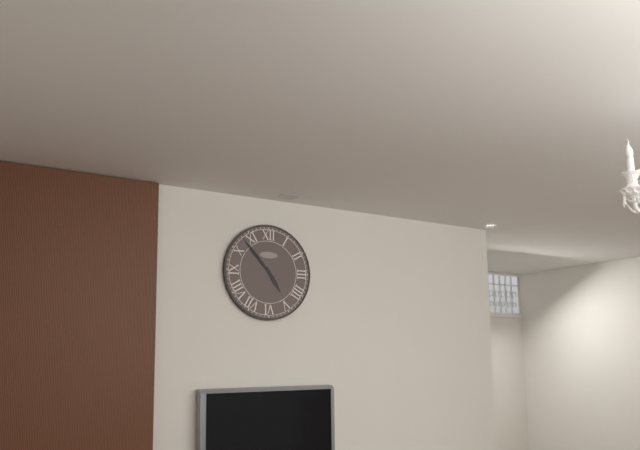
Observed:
4.53
